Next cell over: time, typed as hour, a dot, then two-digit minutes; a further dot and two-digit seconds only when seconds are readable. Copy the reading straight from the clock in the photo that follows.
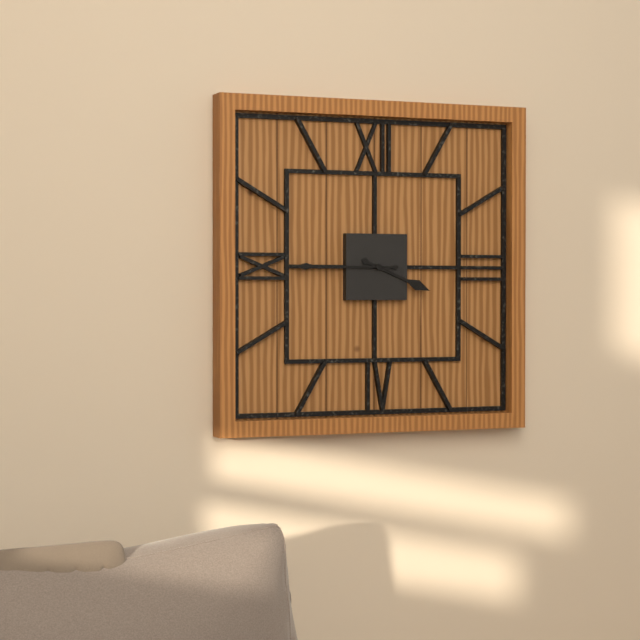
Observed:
3.45
